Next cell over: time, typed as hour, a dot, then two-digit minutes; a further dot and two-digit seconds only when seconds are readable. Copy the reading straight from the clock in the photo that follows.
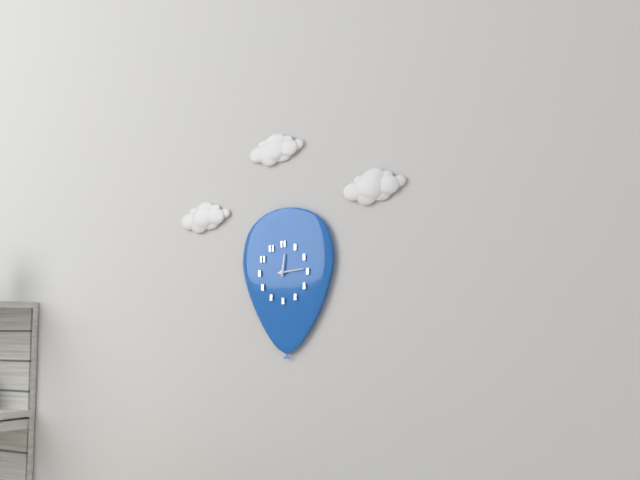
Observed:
12.14
